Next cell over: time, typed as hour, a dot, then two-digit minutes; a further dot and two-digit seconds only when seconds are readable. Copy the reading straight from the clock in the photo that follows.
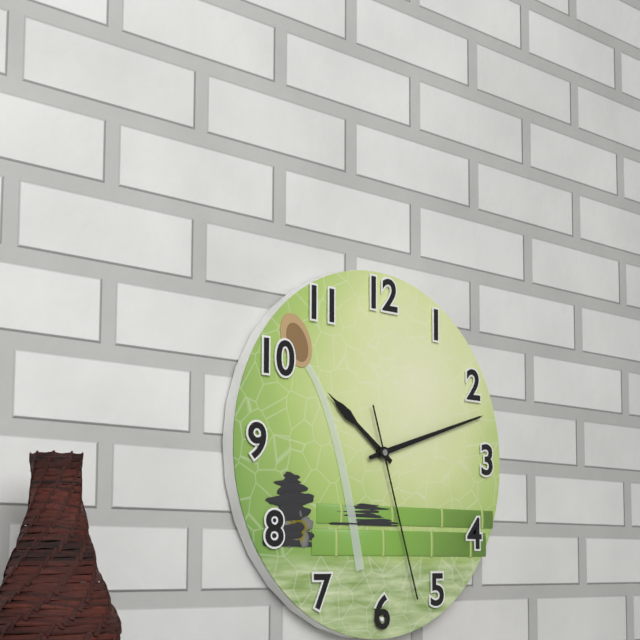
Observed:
10.12.27
